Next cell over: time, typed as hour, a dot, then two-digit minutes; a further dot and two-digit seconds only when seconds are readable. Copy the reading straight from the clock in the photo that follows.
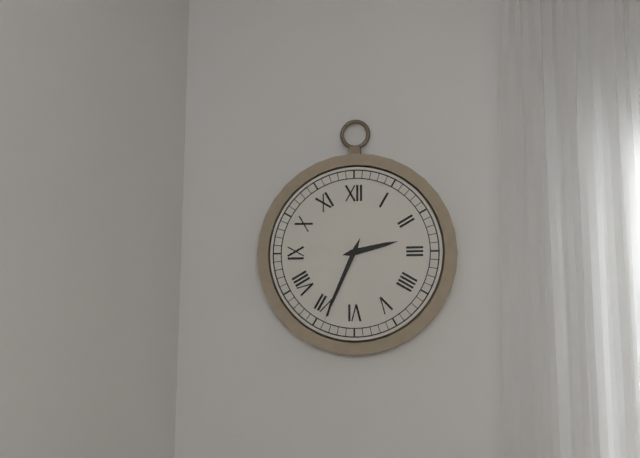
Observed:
2.34
